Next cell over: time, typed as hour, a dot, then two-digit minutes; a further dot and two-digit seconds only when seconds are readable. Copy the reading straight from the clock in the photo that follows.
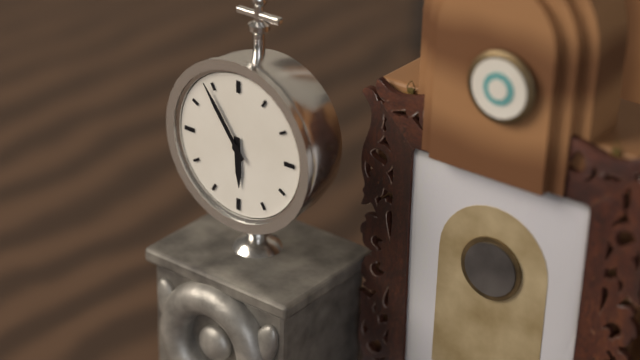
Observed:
5.54
